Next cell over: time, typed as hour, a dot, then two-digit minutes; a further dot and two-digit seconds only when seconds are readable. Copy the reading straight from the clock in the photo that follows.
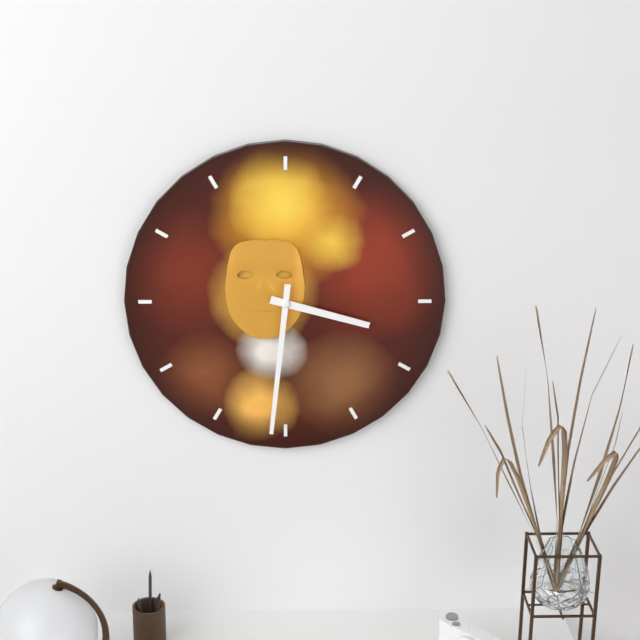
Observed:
3.31
